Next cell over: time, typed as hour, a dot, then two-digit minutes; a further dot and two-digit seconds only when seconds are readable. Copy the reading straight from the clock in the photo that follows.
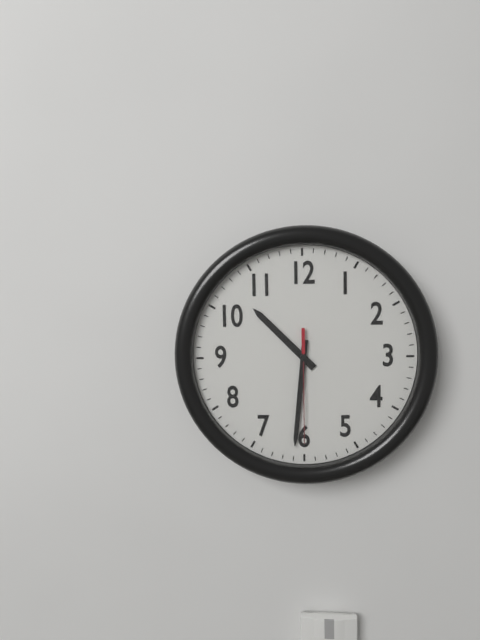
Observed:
10.31.30
